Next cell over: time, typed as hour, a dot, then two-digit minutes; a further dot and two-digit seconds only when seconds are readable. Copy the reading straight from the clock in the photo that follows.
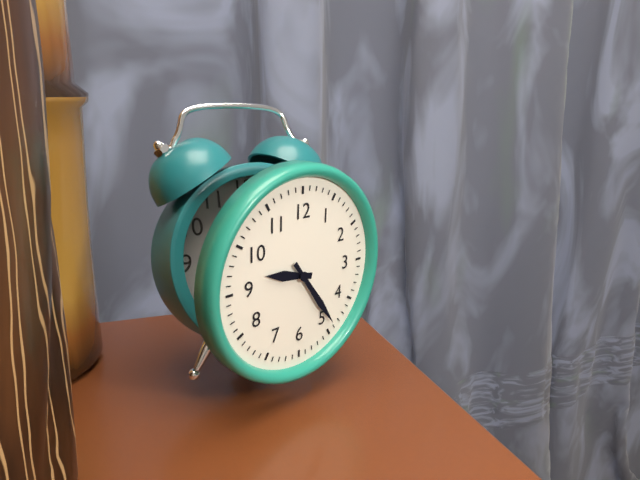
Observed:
9.24
